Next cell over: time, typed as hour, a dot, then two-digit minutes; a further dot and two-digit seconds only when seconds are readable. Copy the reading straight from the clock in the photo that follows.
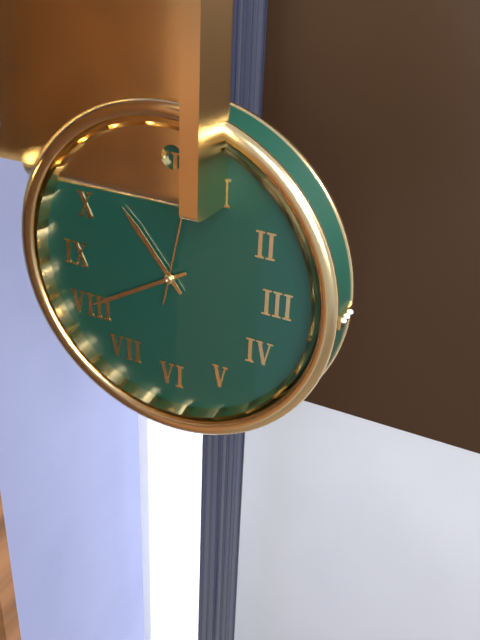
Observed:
10.40
